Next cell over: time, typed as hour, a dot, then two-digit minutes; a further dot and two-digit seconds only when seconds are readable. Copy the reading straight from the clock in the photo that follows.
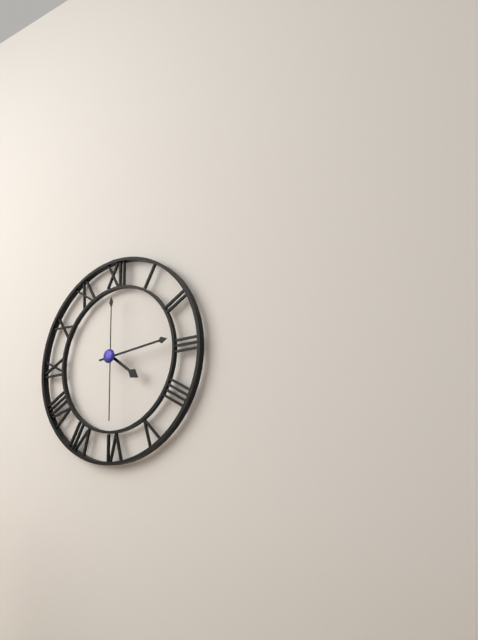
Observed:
4.14.30
